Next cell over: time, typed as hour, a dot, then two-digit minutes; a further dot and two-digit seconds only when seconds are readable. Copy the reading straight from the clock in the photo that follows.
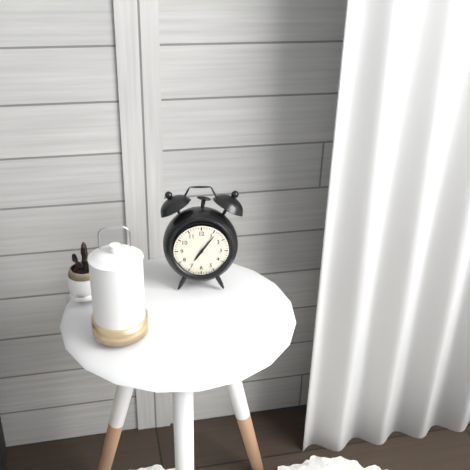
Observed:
7.06
